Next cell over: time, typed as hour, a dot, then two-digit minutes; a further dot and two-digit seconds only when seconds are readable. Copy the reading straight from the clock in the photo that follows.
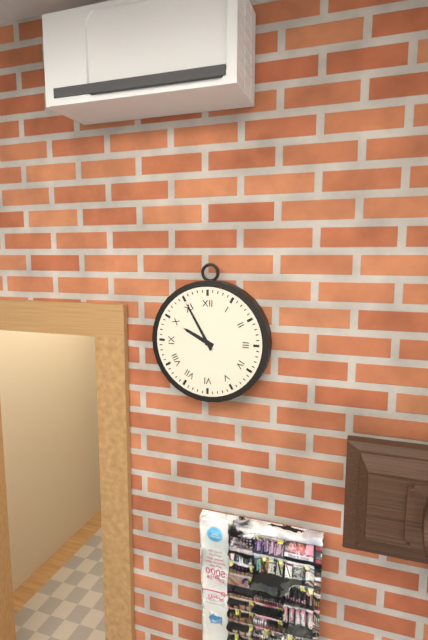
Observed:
9.55
